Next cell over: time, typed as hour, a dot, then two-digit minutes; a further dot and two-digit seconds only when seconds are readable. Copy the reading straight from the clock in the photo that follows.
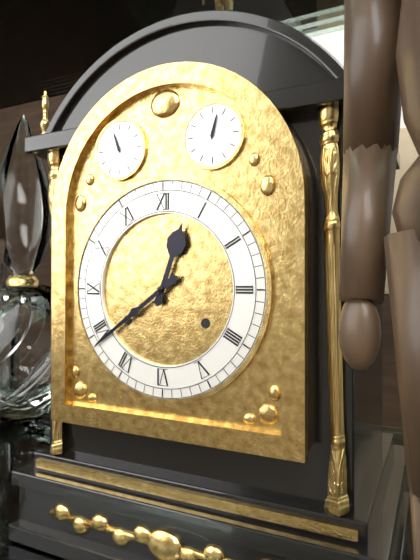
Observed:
12.39
